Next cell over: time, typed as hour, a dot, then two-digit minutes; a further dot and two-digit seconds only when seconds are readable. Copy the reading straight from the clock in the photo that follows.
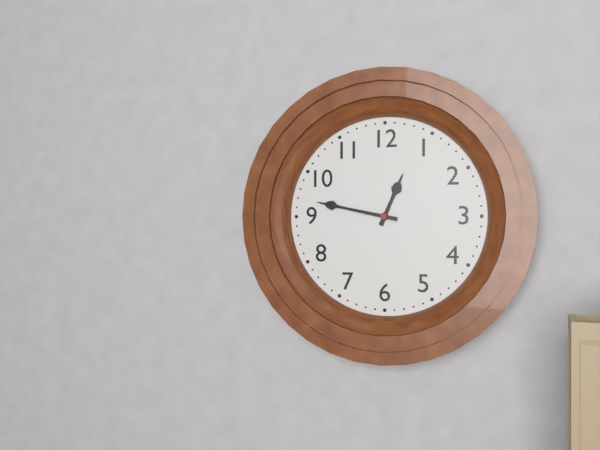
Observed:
12.47
